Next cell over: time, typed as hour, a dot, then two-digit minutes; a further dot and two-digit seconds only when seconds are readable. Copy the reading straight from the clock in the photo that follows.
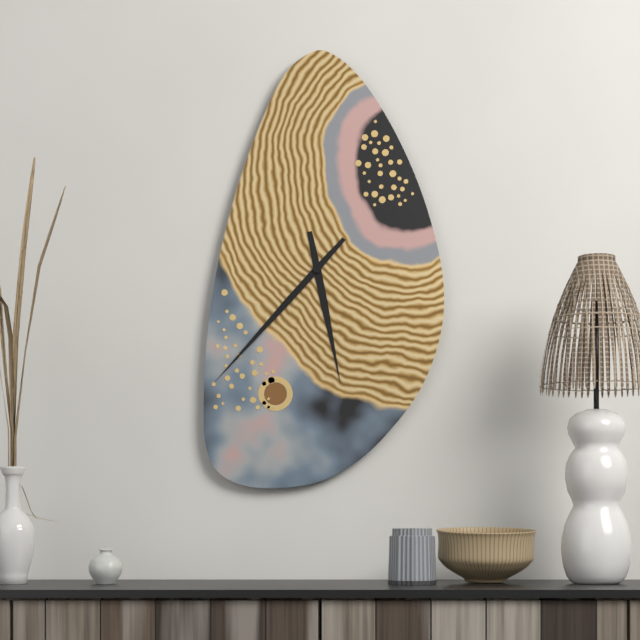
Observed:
5.37
